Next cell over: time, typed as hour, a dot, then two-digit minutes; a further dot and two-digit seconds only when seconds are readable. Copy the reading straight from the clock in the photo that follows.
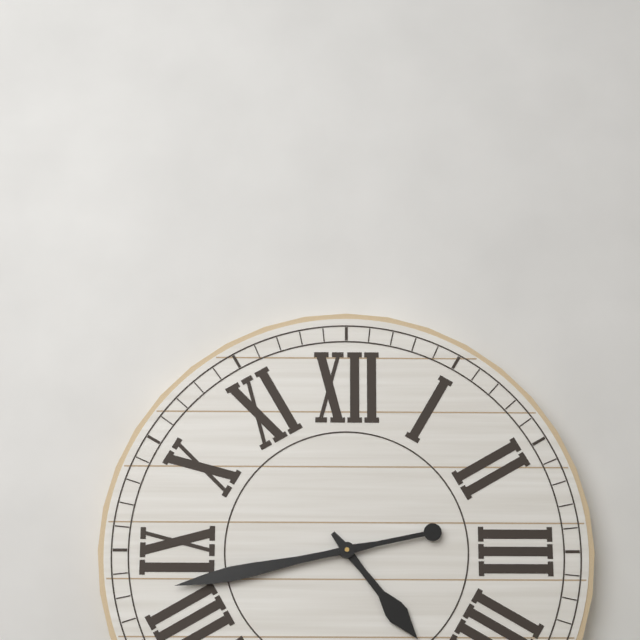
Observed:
4.43
